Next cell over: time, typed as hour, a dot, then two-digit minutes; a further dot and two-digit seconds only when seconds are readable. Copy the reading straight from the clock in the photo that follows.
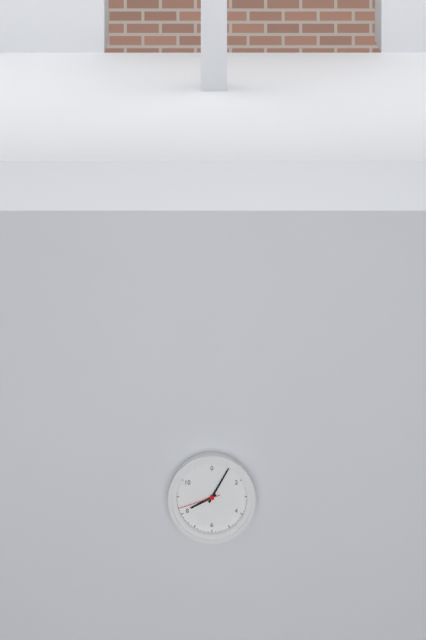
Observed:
8.05
